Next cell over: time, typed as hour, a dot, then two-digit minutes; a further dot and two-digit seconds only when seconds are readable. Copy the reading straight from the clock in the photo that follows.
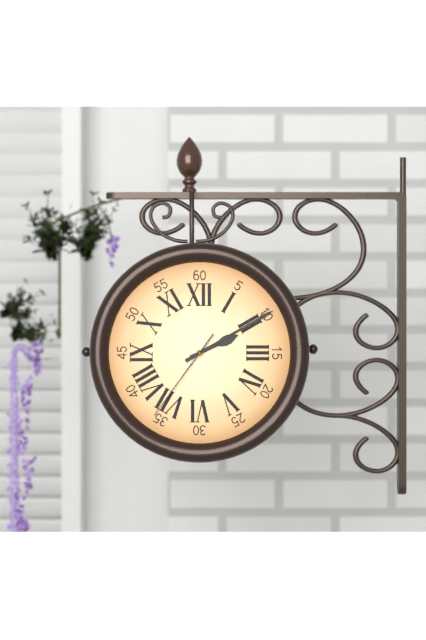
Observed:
2.10.36
